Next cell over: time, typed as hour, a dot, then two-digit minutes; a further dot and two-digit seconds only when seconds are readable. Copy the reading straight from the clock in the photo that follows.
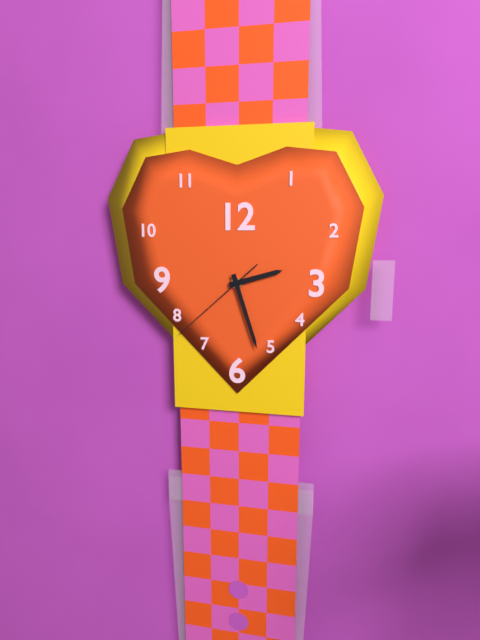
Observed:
2.27.38
